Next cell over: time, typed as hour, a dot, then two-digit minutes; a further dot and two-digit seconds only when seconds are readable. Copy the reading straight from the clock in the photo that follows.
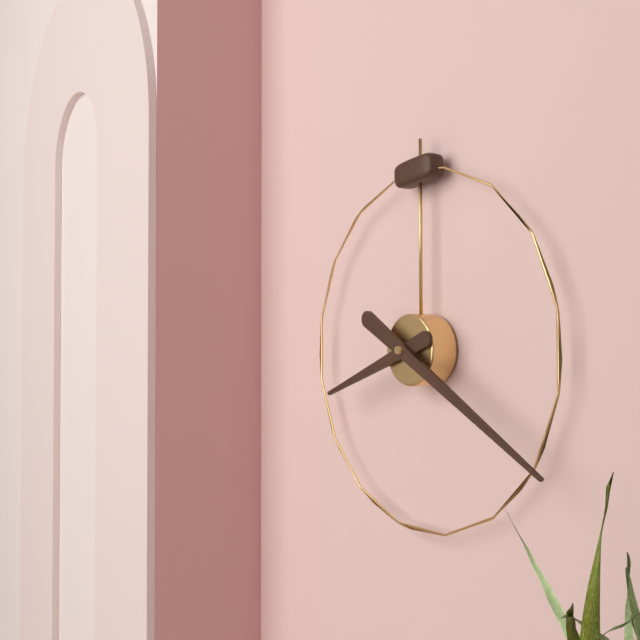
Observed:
8.20
